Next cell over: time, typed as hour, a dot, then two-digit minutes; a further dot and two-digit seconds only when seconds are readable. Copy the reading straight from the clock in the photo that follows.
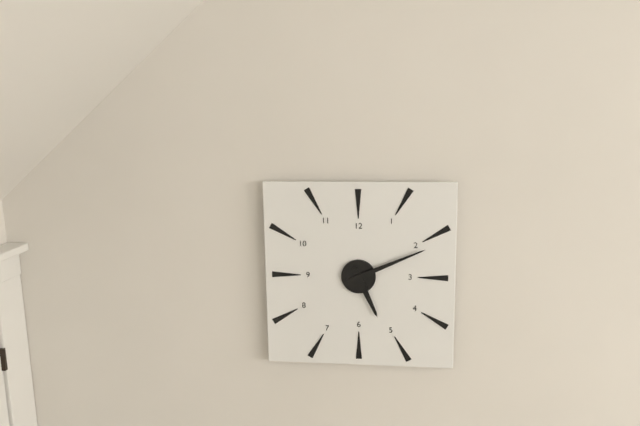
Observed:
5.11
